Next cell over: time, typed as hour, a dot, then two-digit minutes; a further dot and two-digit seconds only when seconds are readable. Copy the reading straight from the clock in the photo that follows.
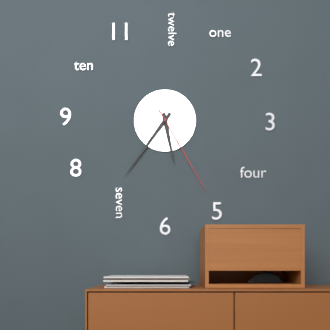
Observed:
5.36.25
